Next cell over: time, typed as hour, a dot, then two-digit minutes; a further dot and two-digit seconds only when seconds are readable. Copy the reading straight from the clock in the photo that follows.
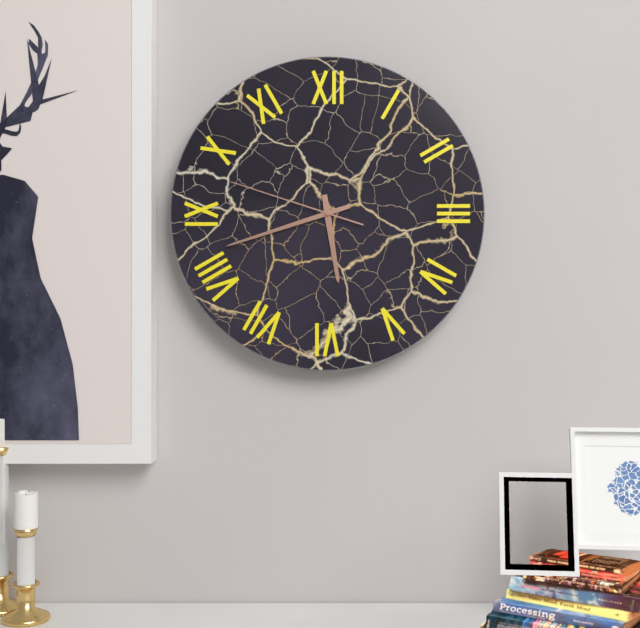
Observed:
5.42.48
